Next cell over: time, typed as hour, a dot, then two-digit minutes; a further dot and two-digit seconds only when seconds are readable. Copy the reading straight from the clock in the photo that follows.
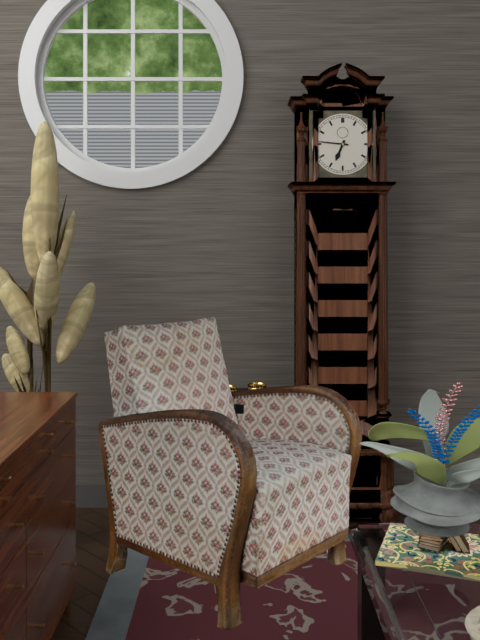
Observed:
6.46
